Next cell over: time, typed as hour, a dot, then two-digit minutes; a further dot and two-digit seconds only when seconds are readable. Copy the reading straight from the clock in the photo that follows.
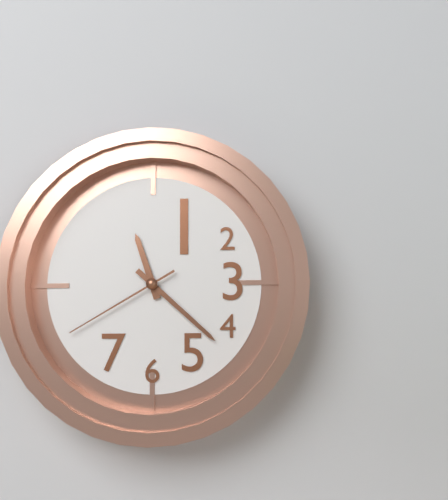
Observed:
11.22.40
